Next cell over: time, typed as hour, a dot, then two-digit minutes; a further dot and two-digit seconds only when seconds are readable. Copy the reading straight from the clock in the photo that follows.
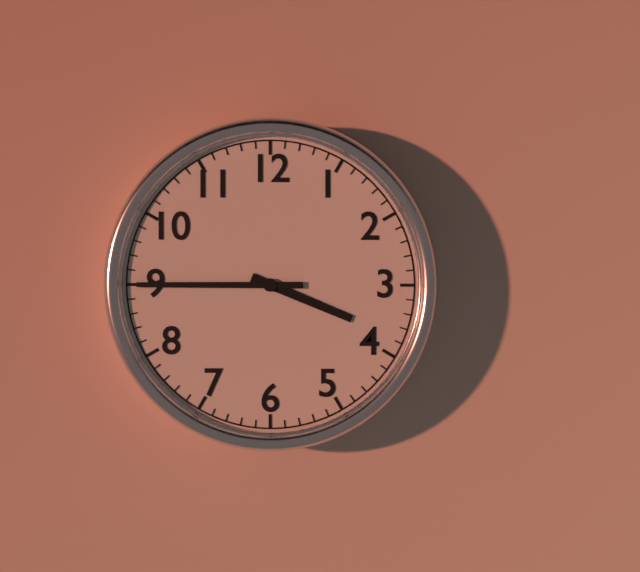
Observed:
3.45
